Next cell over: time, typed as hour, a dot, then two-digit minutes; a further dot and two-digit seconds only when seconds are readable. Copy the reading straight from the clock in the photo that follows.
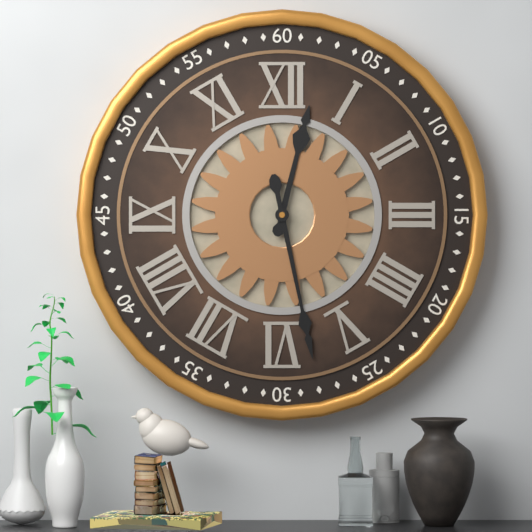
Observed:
12.28
